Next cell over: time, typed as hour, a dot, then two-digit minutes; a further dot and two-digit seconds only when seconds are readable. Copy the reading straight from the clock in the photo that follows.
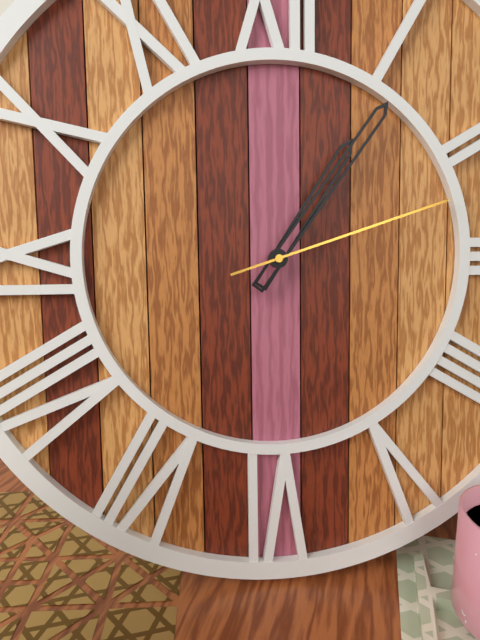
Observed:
1.06.12
